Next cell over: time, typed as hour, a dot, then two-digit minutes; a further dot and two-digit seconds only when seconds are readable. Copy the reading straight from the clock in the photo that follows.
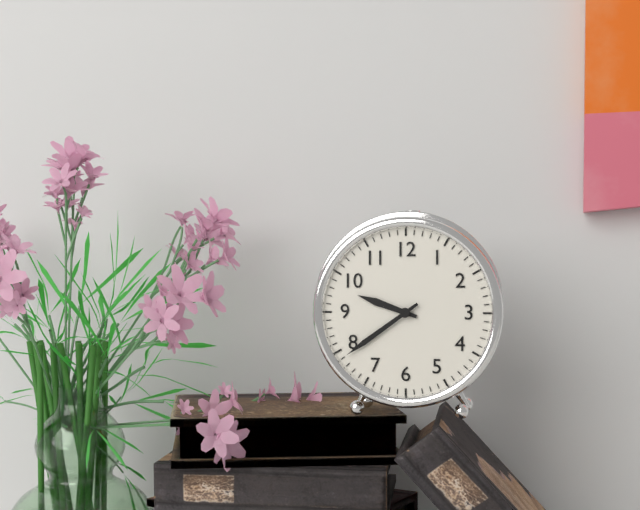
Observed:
9.39
